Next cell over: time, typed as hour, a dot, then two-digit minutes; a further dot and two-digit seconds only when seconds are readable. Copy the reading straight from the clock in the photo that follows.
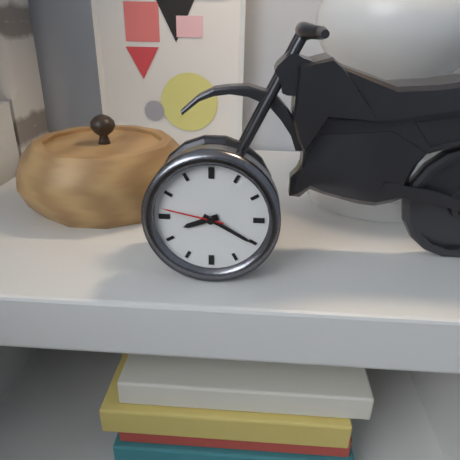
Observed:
8.20.47
